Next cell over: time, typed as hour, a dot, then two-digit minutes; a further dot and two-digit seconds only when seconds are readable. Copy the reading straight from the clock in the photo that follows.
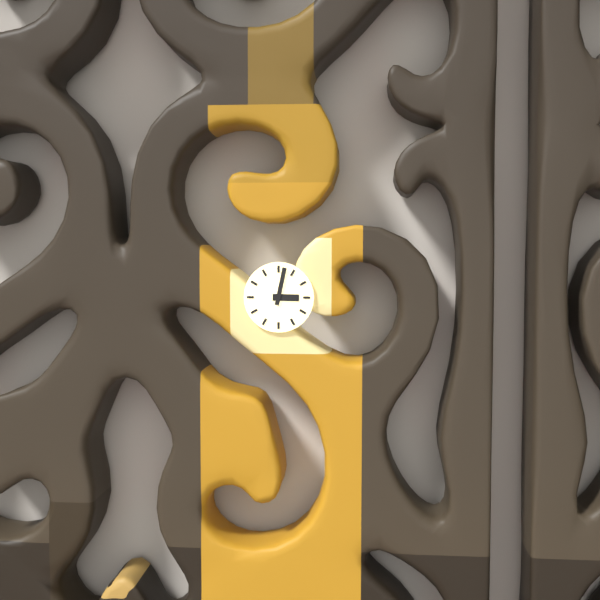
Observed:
3.02
